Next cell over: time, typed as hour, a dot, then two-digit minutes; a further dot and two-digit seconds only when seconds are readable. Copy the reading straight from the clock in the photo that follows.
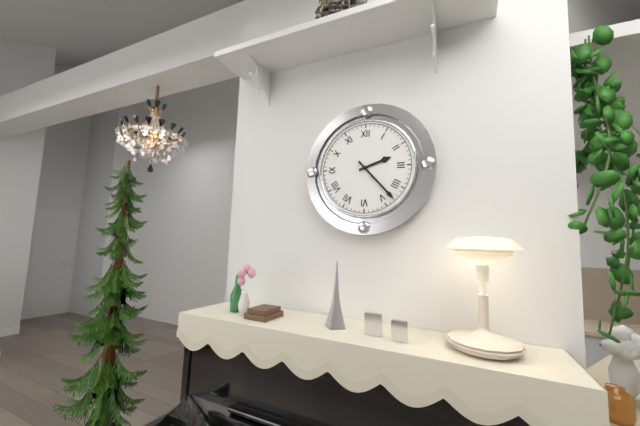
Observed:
2.23
